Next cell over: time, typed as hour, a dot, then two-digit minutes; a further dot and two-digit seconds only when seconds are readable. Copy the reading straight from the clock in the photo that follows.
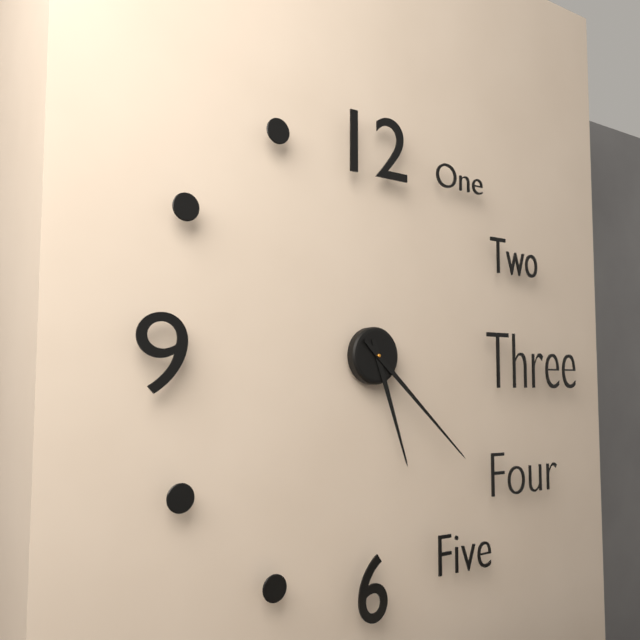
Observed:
5.22
